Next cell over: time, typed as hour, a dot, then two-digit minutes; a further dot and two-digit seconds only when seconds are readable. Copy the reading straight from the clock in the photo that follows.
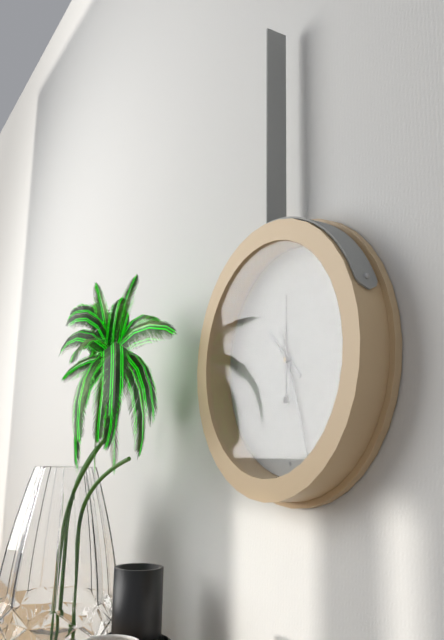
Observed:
10.27.00
